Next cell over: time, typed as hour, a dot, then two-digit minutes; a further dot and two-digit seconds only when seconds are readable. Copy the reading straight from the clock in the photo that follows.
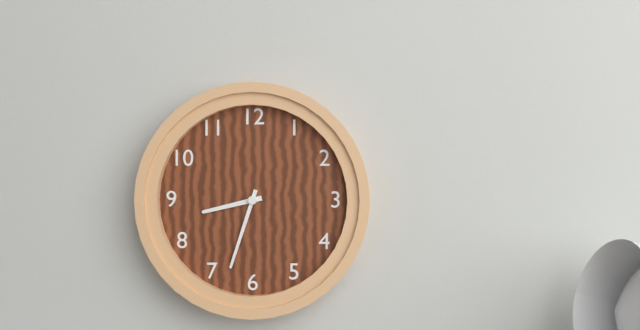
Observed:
8.33
